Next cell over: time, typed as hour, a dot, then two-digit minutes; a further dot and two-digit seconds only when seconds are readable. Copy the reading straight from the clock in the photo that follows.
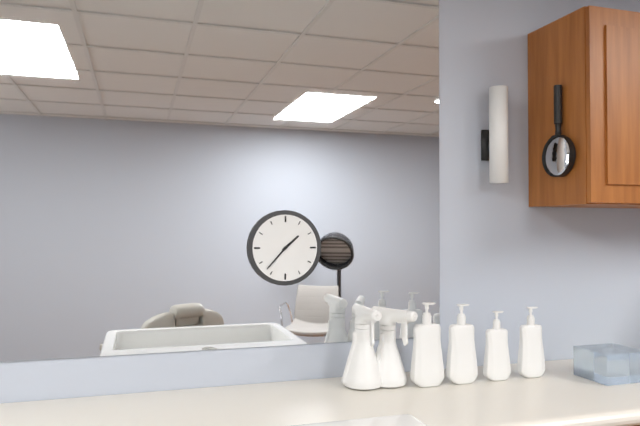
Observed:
1.37
